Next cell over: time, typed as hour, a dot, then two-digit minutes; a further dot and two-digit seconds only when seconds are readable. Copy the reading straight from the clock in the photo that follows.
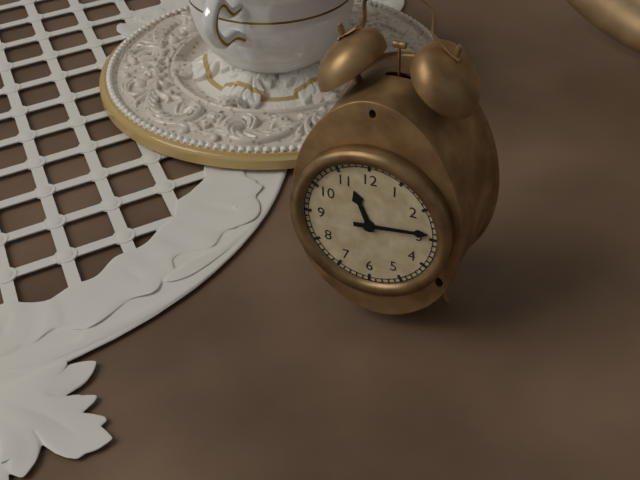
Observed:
11.14
